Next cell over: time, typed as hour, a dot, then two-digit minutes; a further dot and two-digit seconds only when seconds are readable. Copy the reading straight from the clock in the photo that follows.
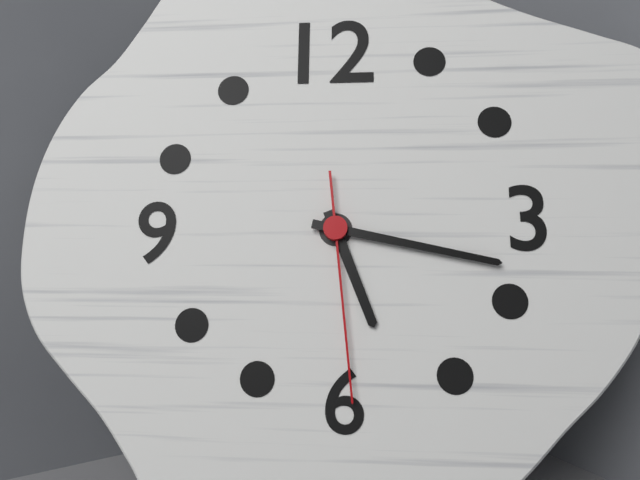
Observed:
5.17.29
